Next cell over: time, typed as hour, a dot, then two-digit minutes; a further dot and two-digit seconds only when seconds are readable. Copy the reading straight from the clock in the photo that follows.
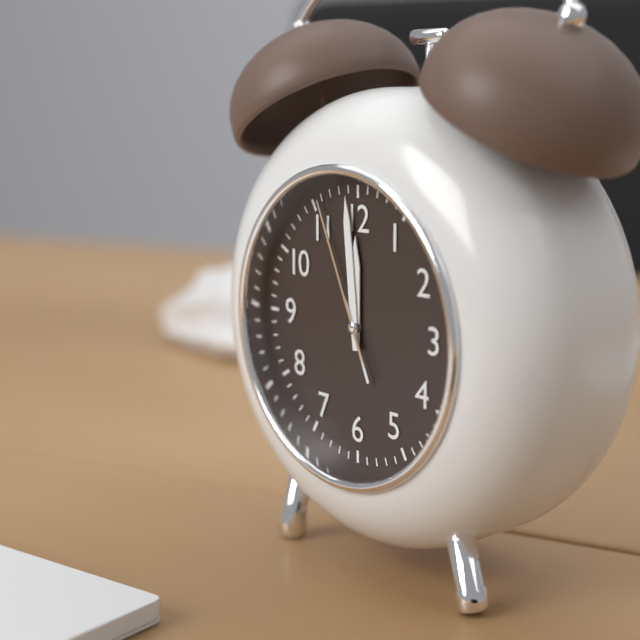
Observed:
11.59.56
